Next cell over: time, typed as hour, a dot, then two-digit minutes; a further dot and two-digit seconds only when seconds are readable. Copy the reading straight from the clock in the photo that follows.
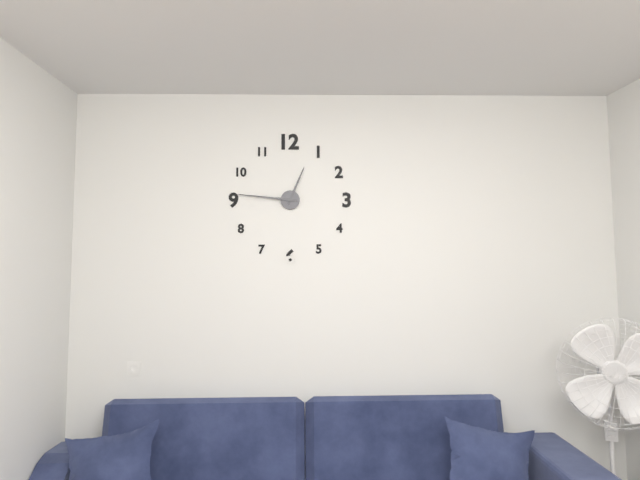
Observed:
12.46
